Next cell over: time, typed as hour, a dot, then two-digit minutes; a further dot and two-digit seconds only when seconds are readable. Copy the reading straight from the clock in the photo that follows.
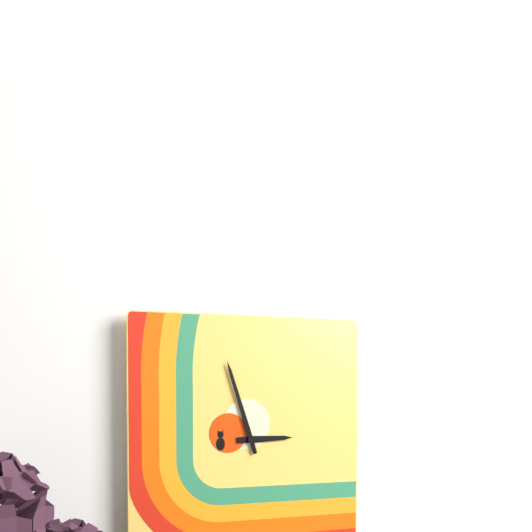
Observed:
2.57
